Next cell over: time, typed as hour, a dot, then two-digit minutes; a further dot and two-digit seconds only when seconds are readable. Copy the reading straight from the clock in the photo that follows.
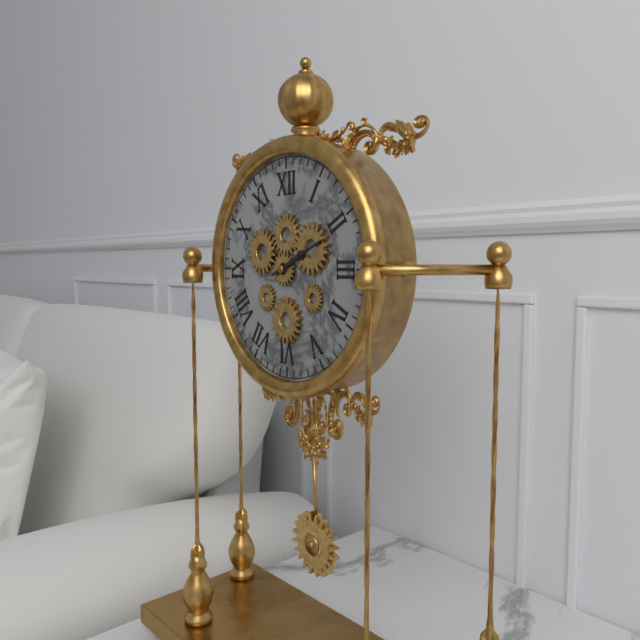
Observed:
2.11
